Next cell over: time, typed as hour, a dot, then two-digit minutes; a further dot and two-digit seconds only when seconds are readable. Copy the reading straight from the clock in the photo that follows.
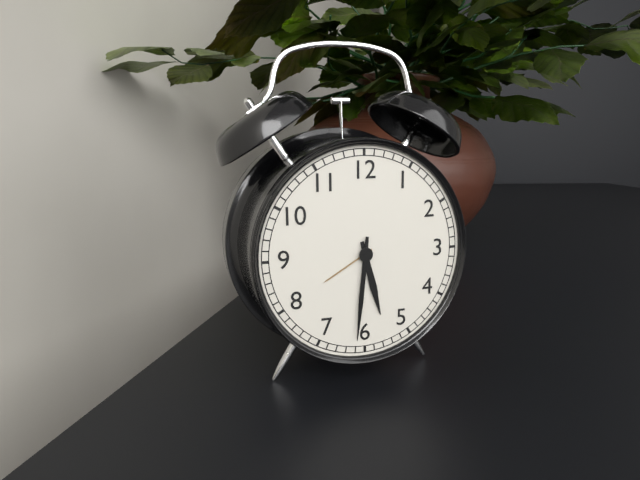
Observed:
5.31
